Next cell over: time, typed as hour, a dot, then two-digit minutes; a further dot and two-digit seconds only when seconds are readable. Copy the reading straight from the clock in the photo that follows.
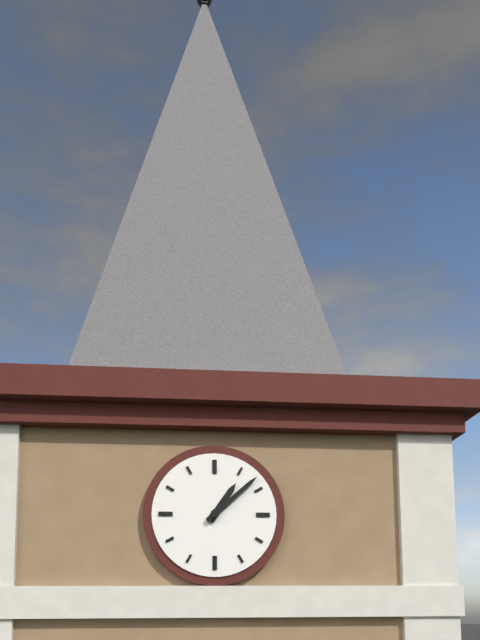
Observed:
1.08
